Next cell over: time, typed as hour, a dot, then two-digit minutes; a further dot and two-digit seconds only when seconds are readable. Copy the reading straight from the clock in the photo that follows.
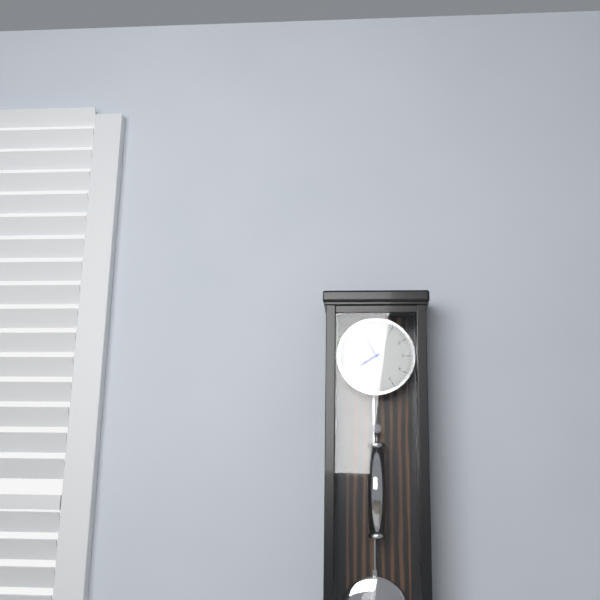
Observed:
7.55
